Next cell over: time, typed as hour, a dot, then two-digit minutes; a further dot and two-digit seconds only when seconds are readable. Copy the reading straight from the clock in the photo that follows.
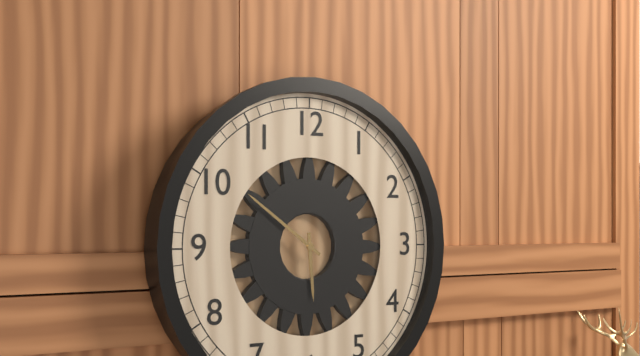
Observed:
5.51
